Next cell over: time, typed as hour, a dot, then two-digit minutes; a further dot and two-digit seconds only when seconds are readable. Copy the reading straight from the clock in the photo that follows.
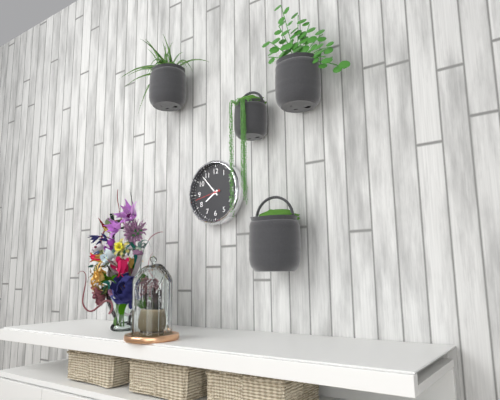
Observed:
7.53
